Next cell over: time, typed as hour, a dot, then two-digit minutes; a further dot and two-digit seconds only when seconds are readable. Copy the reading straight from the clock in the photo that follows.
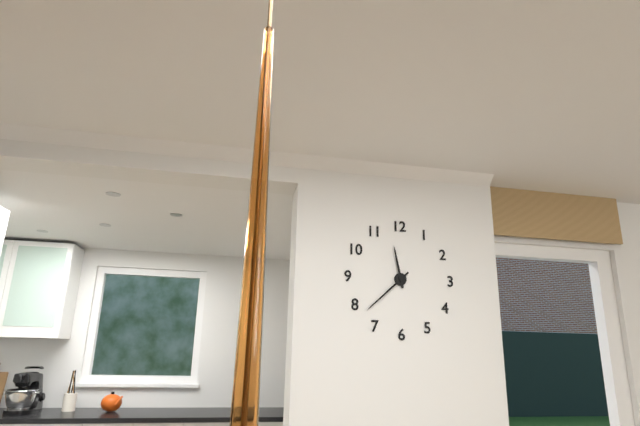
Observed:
11.38
